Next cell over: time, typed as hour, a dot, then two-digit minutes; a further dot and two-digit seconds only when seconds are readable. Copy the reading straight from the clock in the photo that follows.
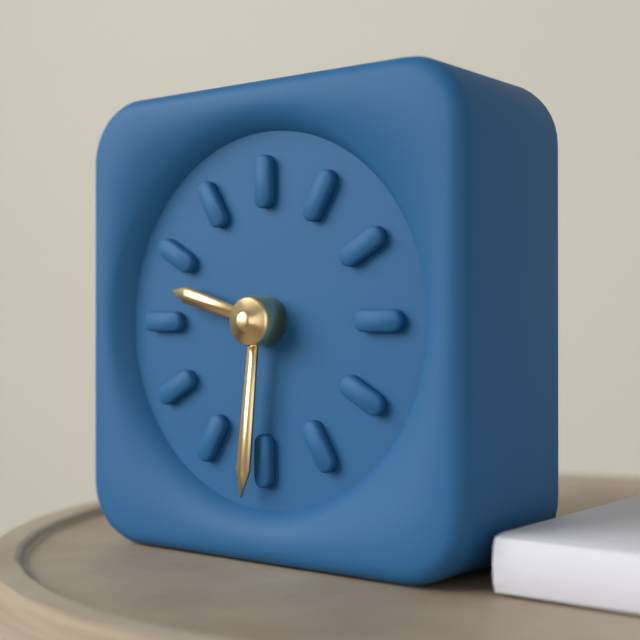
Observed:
9.31
